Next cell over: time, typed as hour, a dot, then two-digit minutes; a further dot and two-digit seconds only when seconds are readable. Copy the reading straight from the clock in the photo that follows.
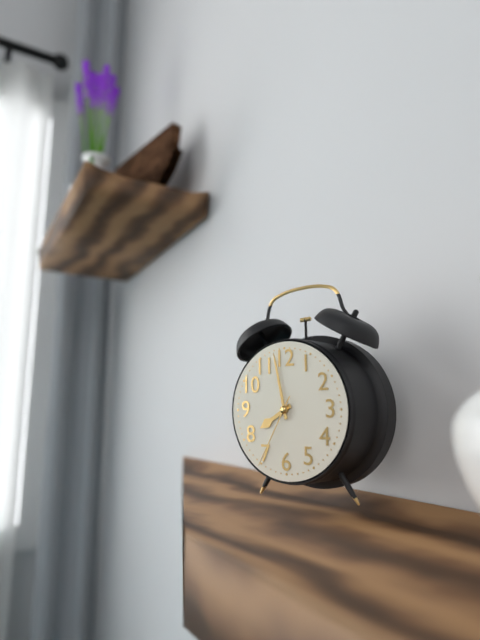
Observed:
7.58.35
